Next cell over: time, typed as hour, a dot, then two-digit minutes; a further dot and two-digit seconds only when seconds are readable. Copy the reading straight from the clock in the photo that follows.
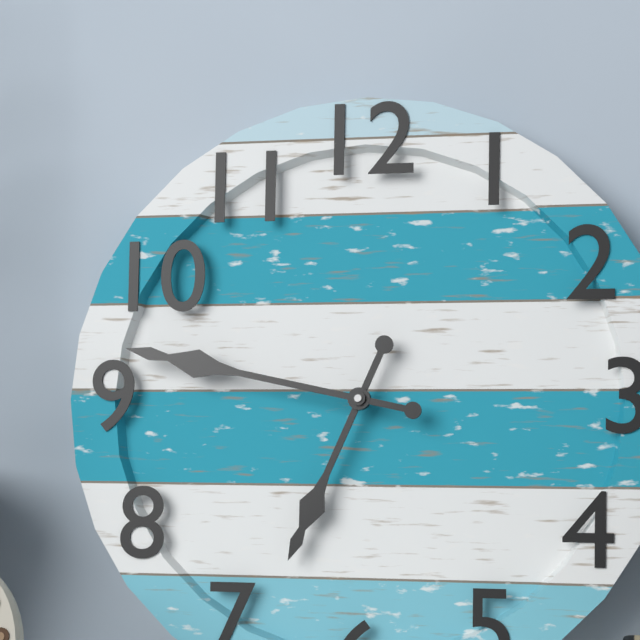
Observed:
6.47
